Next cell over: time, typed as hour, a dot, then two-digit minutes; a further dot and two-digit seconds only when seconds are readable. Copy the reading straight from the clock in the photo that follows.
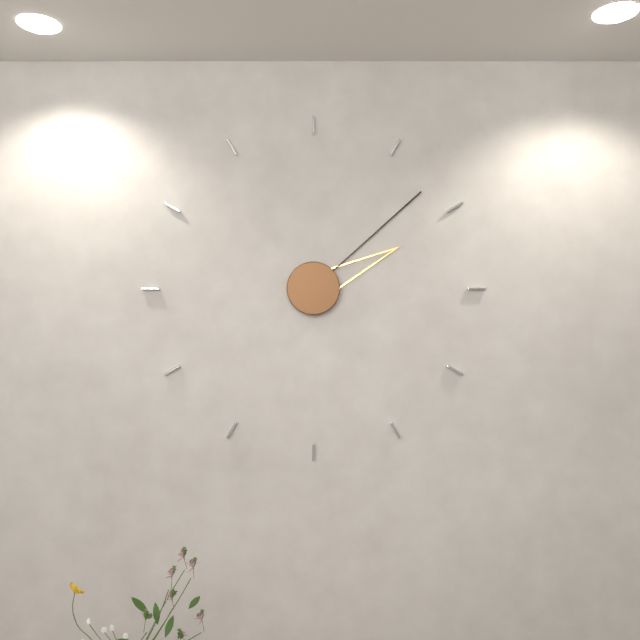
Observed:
2.08
